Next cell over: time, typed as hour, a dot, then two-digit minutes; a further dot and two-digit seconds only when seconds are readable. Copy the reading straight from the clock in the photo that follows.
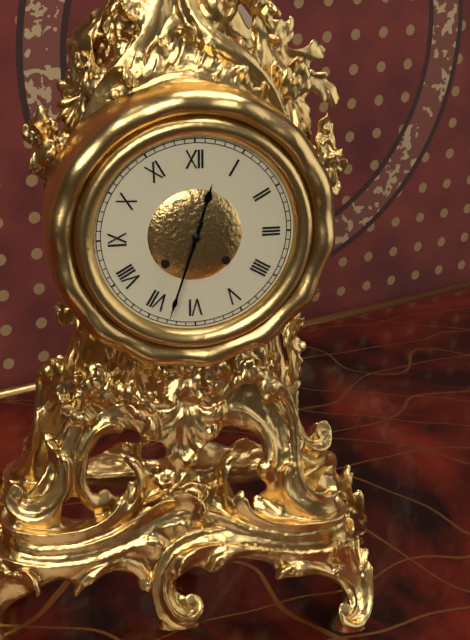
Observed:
12.33
